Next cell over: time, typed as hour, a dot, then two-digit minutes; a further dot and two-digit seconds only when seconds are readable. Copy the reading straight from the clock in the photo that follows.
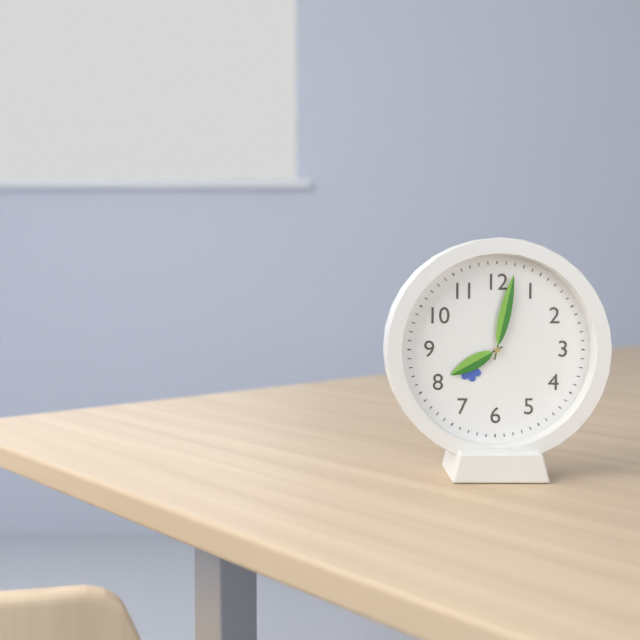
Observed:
8.02
